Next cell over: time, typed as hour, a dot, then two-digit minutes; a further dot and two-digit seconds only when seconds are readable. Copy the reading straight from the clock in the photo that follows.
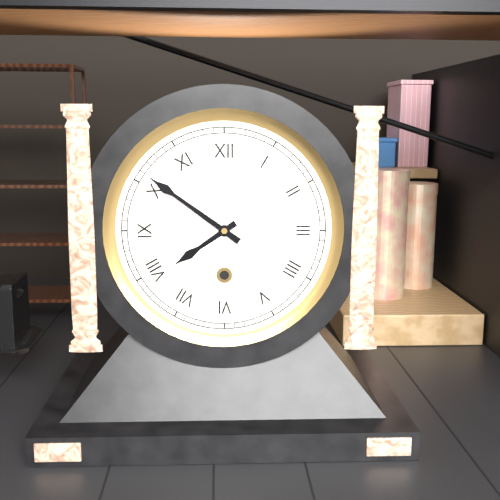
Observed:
7.51
